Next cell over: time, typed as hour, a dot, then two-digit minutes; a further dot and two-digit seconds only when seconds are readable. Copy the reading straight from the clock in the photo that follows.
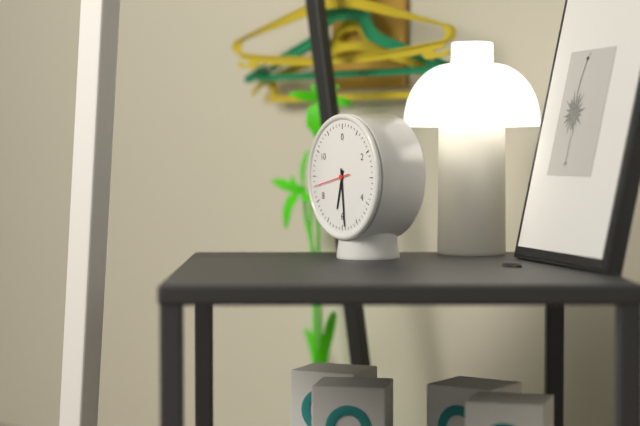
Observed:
6.29
